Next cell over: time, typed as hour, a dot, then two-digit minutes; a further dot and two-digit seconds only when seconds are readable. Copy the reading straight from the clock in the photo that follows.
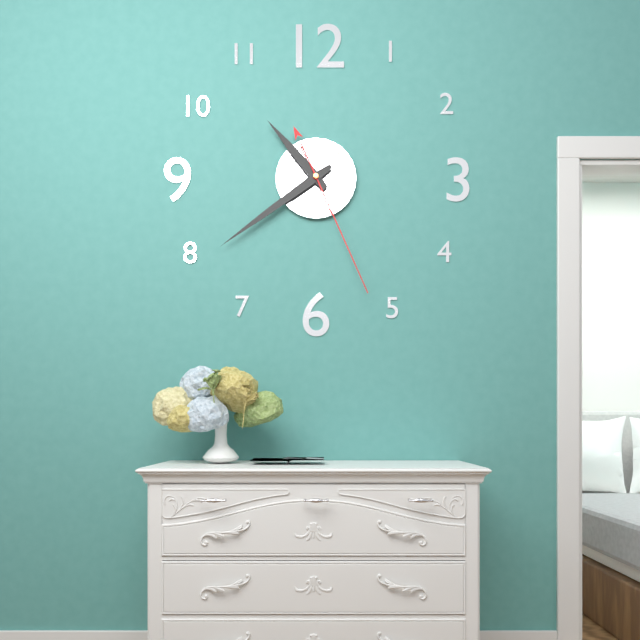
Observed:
10.39.26
